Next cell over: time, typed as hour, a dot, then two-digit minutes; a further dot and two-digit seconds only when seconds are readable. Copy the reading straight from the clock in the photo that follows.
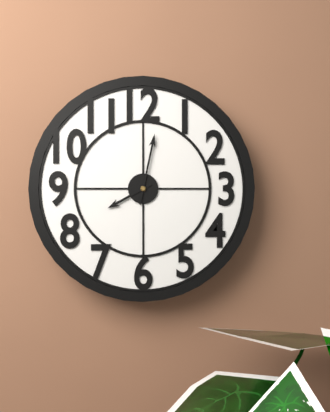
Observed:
8.02
